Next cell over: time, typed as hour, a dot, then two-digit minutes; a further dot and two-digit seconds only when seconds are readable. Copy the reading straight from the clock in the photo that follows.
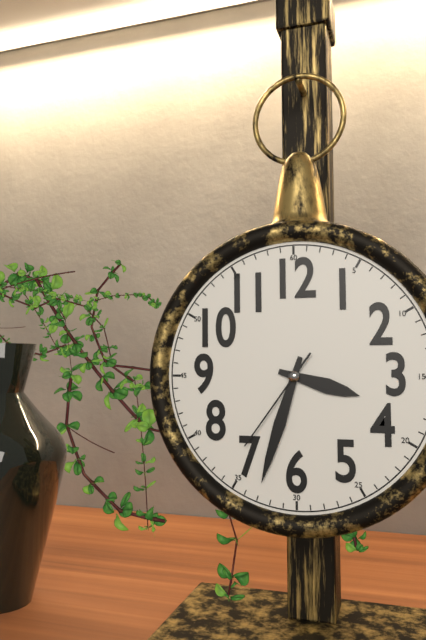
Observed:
3.33.36
